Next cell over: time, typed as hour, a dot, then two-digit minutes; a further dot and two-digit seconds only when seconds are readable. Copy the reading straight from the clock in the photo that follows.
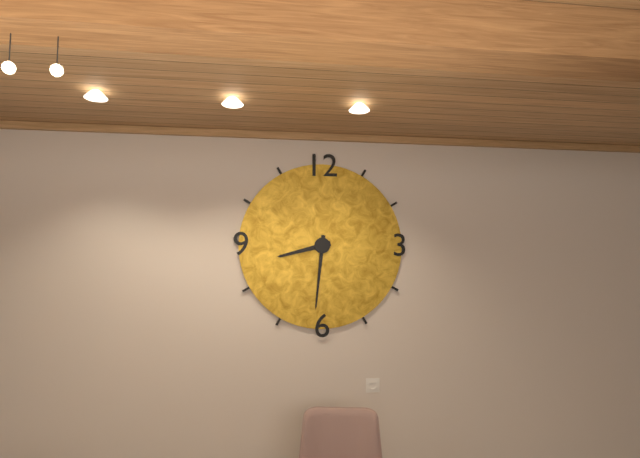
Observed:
8.31
